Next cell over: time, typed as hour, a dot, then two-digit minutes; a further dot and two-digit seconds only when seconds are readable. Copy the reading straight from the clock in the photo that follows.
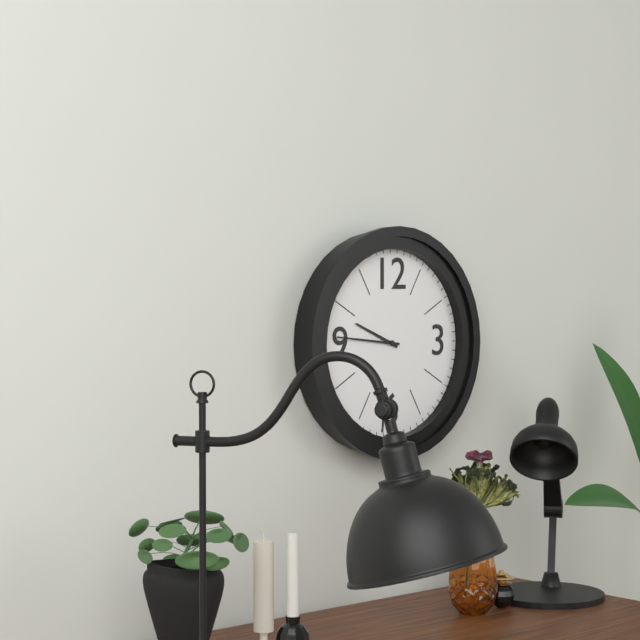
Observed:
9.46
